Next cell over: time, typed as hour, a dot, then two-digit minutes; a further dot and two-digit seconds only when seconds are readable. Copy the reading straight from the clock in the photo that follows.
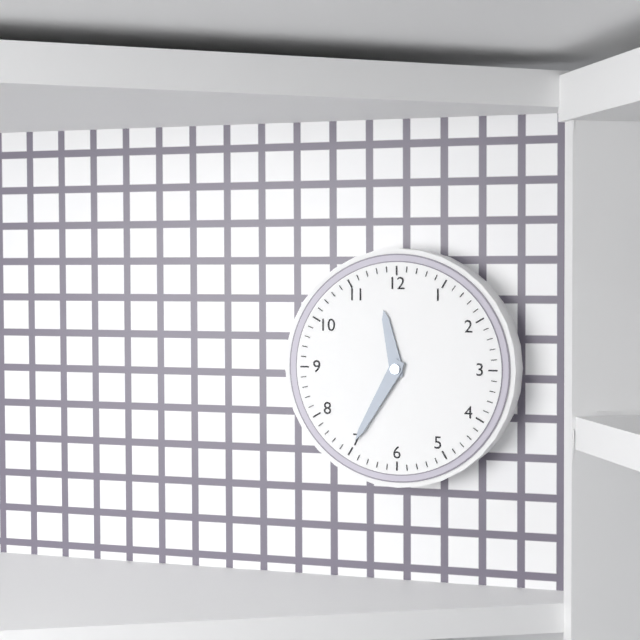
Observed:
11.35
